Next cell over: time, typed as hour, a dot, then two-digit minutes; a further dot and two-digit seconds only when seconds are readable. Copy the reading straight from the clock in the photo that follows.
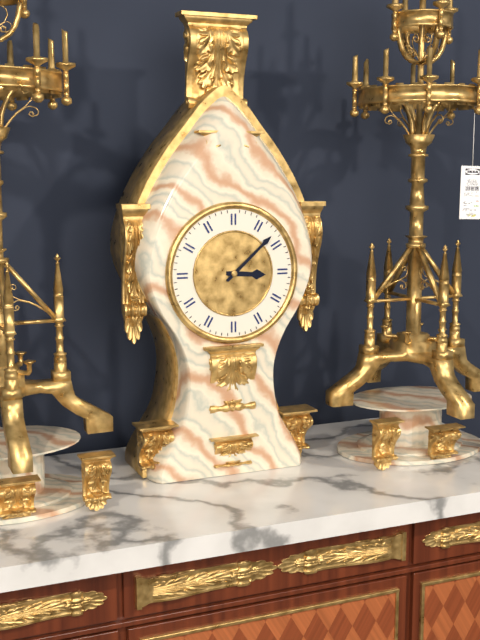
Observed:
3.08
